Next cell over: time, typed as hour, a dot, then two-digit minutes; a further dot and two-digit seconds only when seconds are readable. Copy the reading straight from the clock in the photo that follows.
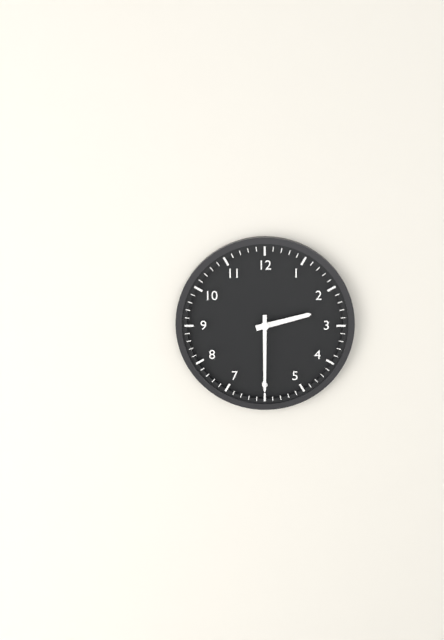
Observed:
2.30
